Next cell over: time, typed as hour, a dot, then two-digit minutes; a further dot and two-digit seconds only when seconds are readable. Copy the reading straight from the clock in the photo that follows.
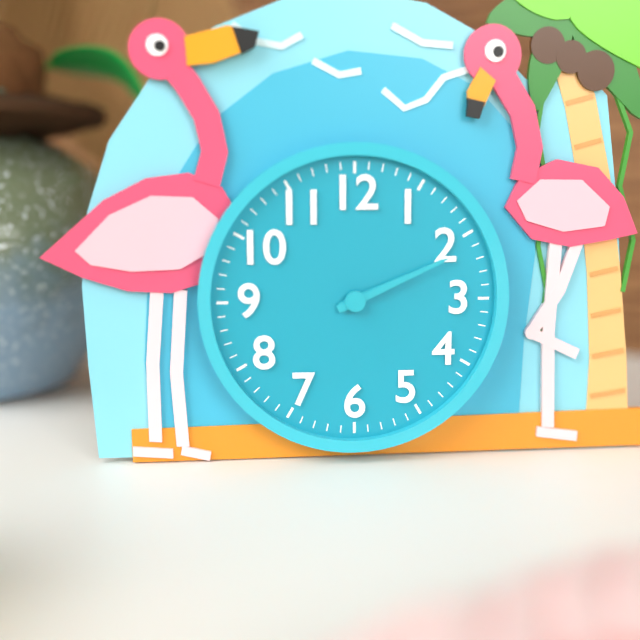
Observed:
2.11
